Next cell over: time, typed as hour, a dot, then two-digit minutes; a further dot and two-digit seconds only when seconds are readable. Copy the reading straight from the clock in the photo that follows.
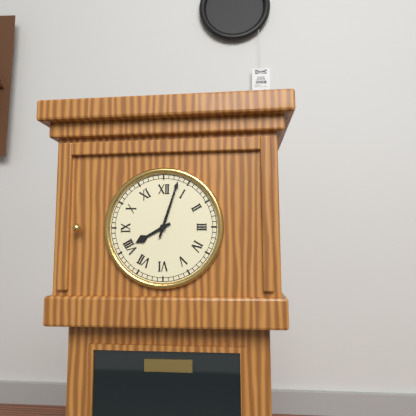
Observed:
8.03
